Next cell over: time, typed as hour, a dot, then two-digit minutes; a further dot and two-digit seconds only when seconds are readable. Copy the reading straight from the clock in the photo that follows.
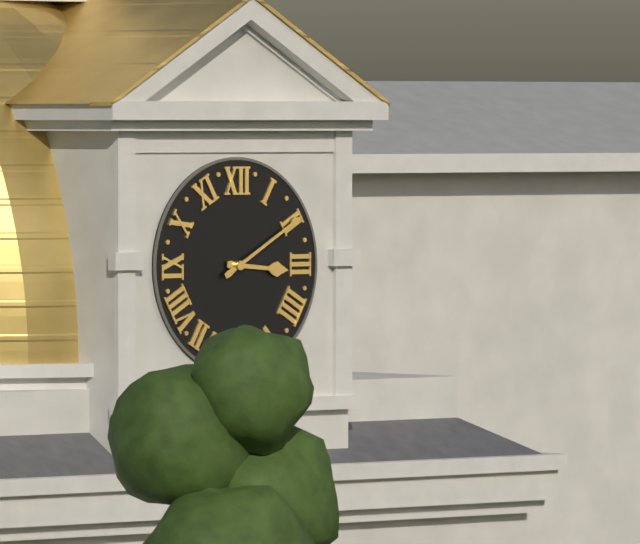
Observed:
3.10
